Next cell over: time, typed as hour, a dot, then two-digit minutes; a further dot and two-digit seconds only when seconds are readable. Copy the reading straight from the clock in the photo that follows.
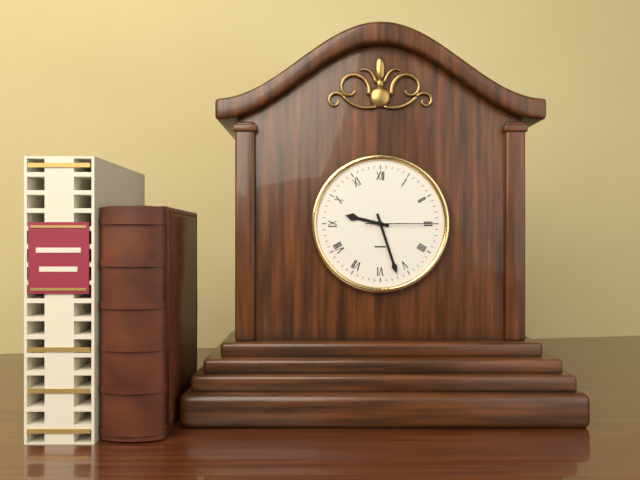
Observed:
9.27.15
